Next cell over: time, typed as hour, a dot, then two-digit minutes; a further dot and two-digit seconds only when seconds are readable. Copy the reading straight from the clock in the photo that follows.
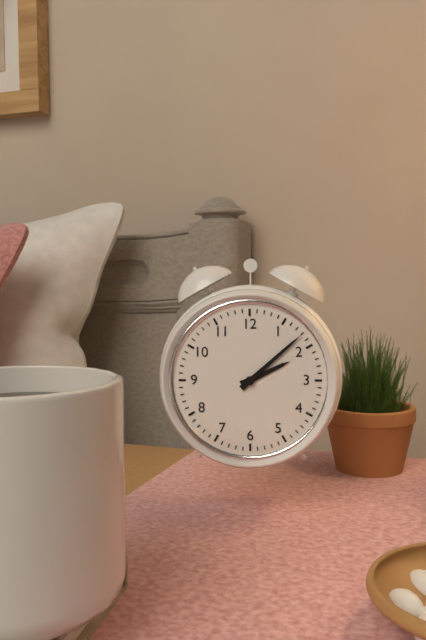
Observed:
2.08
